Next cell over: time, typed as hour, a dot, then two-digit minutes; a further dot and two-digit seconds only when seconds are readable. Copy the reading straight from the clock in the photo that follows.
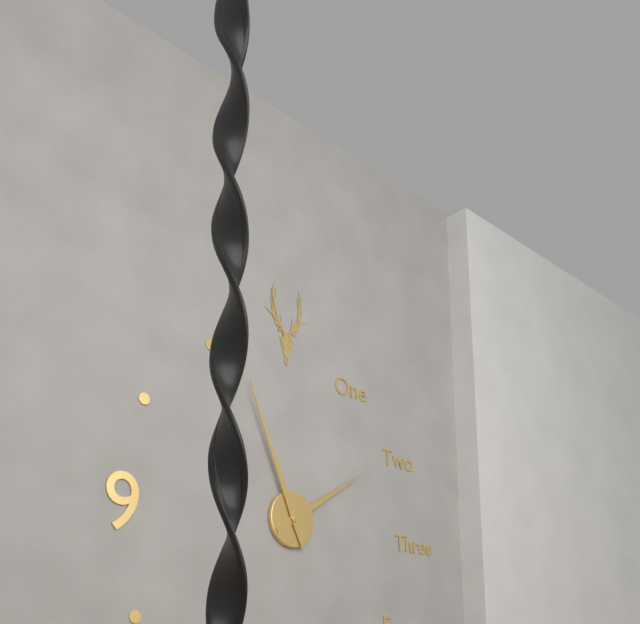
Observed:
1.56
